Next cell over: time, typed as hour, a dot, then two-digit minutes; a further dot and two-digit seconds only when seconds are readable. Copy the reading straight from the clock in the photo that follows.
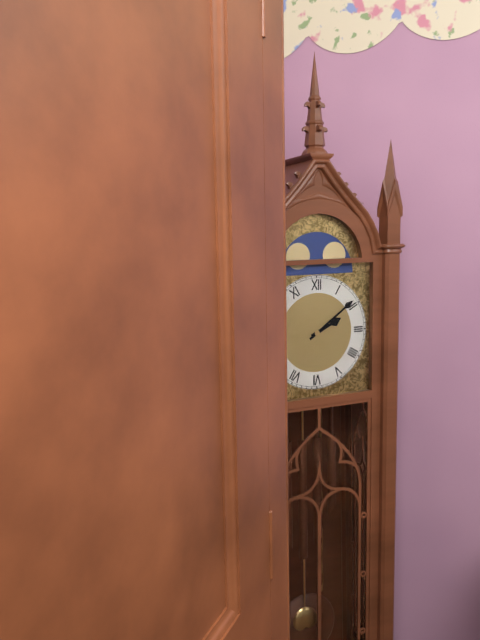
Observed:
2.09
